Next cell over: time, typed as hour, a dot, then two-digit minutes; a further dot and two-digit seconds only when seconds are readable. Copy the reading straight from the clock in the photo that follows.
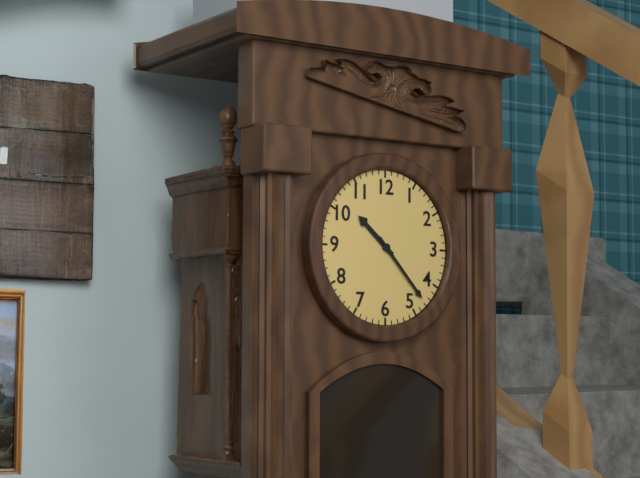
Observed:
10.23
